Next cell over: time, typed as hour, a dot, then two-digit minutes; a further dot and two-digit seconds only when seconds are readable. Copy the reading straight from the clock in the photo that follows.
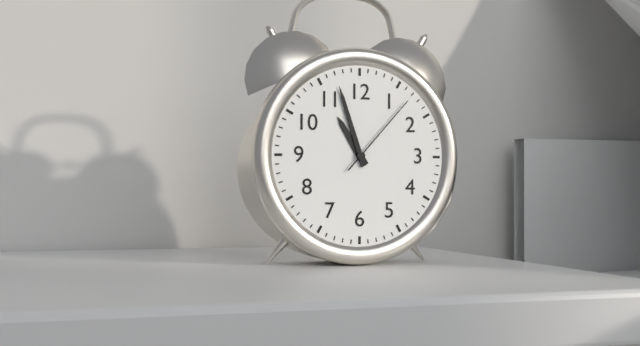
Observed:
10.57.07
